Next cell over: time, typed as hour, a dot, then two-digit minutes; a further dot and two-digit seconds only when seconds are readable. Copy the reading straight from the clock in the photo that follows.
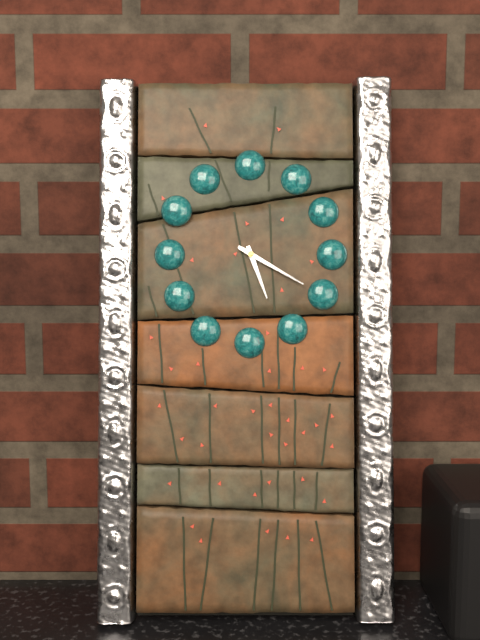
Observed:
5.20
